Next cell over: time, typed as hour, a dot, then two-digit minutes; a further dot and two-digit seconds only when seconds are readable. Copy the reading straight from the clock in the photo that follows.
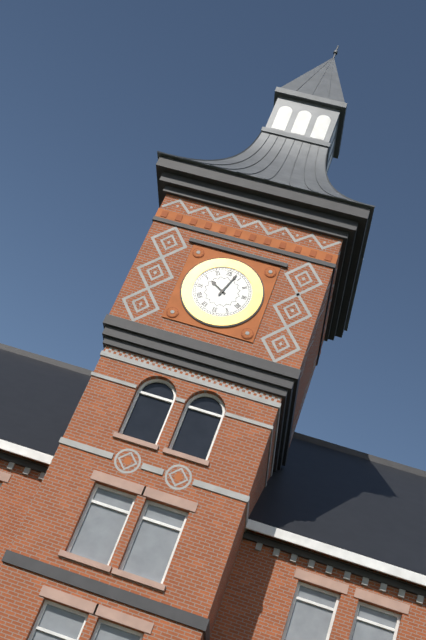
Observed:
10.03
